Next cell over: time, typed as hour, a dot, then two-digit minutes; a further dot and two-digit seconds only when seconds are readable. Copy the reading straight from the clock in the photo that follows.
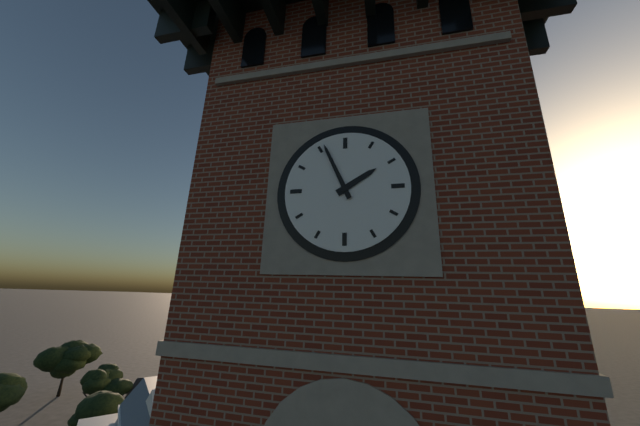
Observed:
1.56
